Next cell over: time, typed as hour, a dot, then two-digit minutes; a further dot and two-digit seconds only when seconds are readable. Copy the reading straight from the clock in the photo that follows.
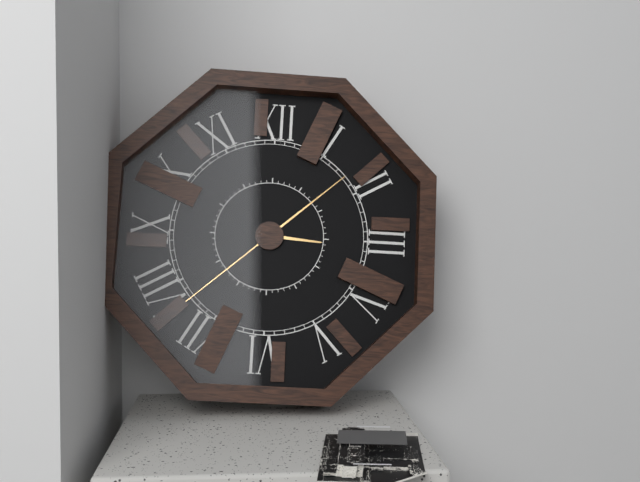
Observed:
3.08.38
